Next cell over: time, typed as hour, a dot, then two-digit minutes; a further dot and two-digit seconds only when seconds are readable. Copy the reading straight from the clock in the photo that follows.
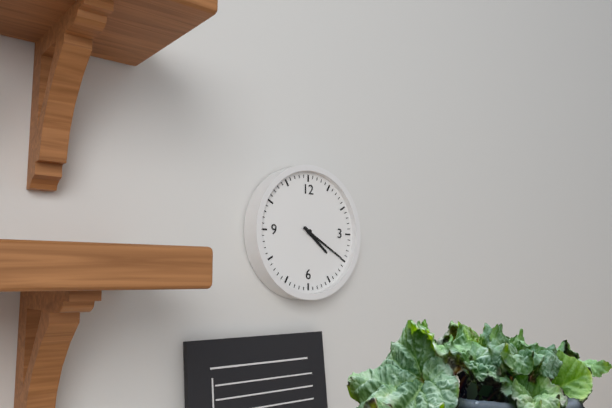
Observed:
4.20
